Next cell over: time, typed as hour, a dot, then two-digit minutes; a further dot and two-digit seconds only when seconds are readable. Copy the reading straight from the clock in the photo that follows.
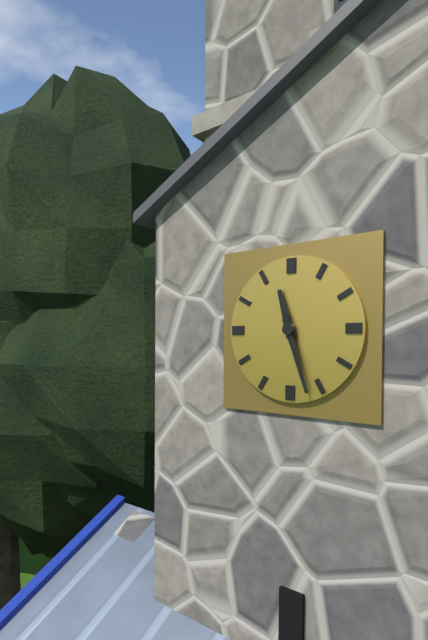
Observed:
11.27
